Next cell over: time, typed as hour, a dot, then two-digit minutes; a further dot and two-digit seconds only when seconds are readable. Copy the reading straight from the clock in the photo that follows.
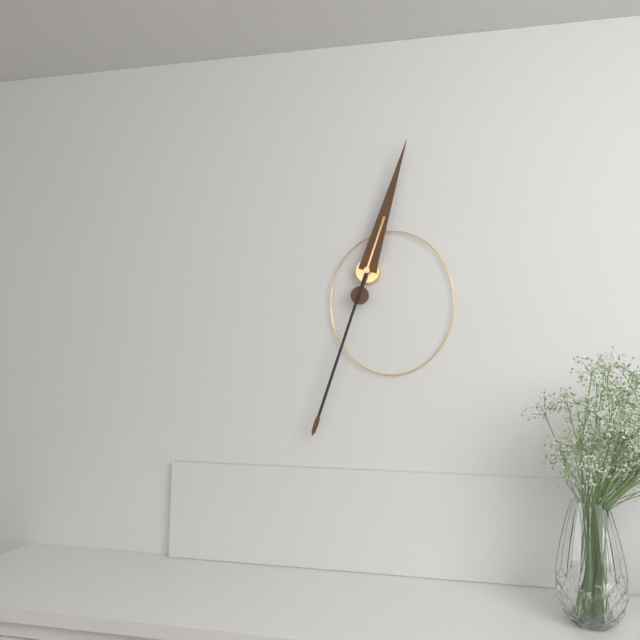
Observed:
12.33
